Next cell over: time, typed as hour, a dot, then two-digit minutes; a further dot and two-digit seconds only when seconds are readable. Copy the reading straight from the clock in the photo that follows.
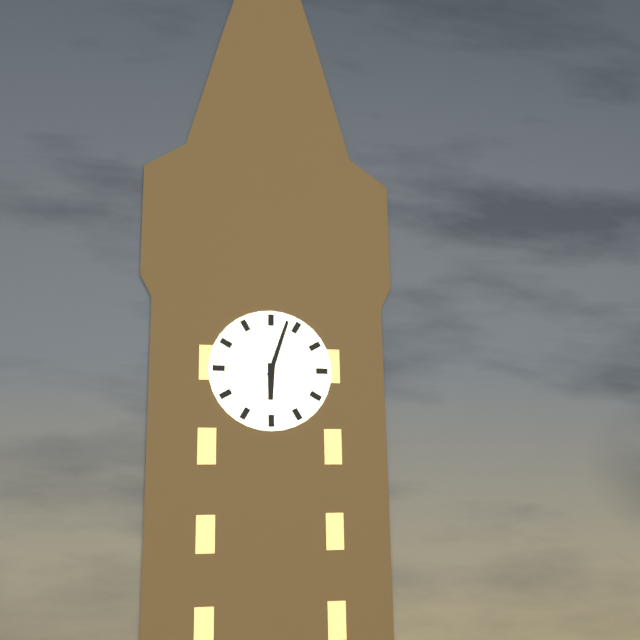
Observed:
6.03
